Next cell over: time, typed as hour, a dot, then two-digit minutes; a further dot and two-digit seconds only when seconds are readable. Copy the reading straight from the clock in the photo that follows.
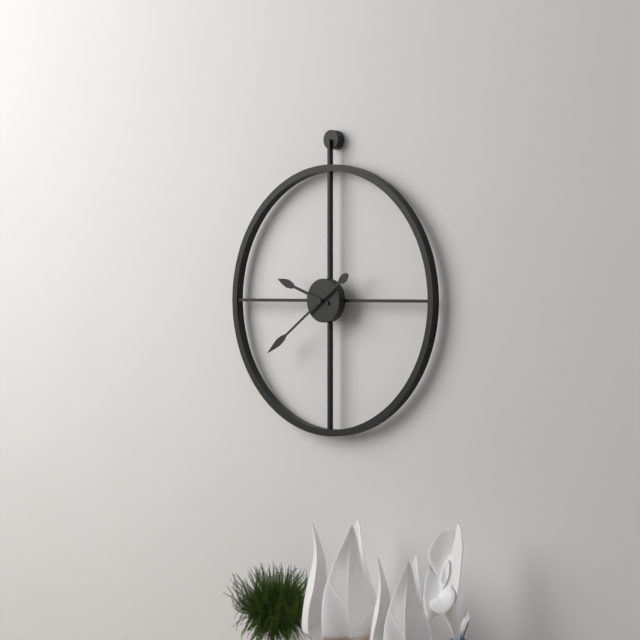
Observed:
9.39
